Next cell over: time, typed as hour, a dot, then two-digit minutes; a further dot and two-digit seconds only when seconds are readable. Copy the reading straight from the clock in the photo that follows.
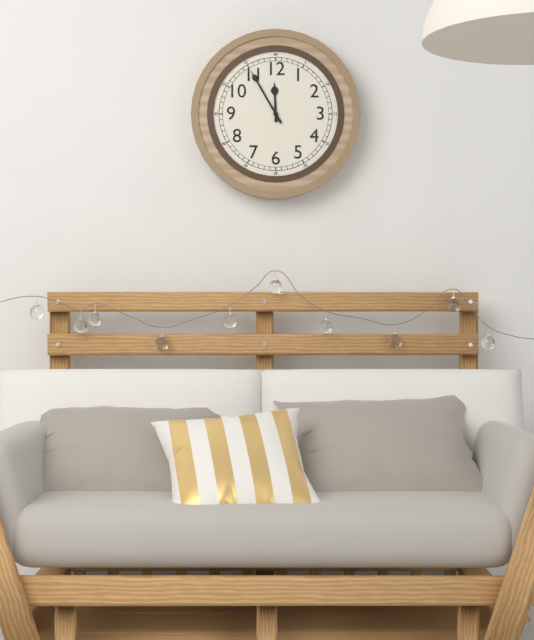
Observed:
11.55
